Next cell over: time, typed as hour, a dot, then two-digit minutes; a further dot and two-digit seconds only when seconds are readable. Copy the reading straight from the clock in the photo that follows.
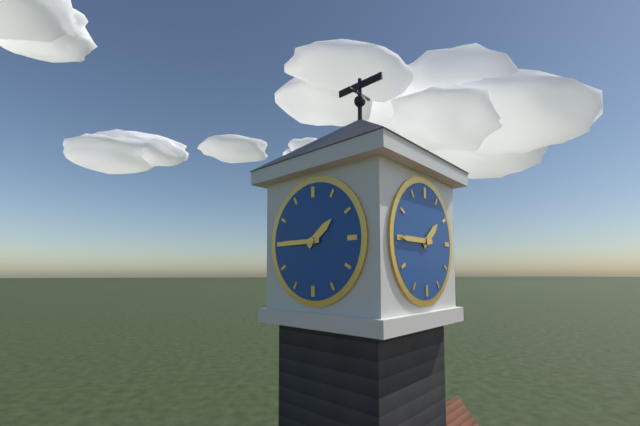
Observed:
1.45
